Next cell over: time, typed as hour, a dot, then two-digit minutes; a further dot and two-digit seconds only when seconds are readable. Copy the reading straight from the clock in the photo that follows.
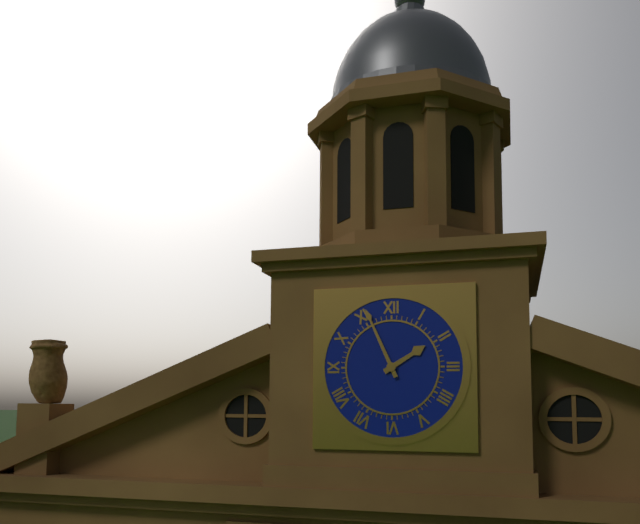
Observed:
1.56
